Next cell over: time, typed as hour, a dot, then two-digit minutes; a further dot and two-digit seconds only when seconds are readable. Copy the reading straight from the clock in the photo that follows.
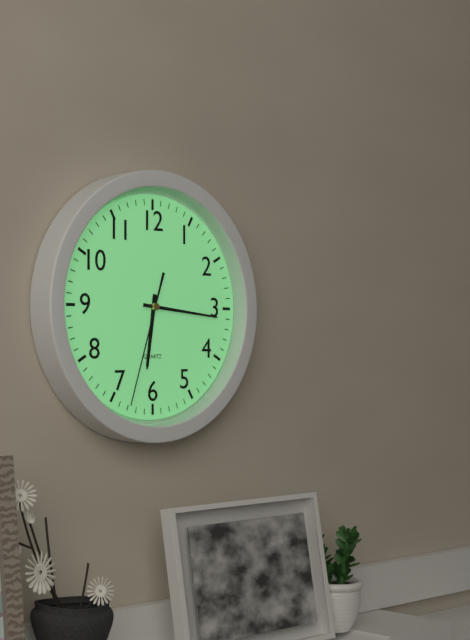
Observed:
6.16.33
